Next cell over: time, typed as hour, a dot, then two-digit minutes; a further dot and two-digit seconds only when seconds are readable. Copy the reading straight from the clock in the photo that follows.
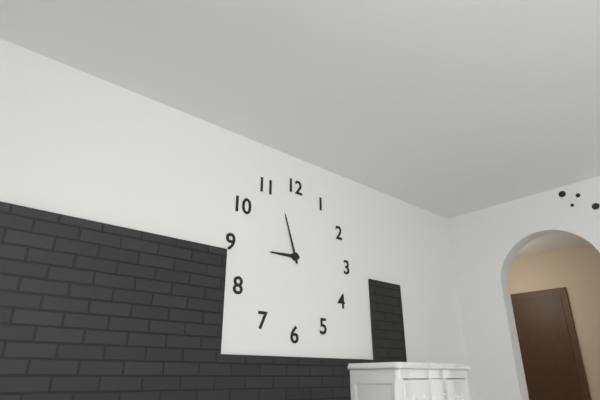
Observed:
8.57
